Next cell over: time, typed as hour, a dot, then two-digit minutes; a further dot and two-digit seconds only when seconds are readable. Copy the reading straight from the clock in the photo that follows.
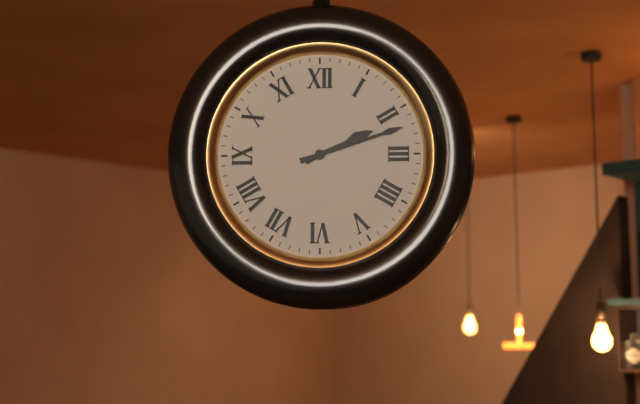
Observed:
2.12
